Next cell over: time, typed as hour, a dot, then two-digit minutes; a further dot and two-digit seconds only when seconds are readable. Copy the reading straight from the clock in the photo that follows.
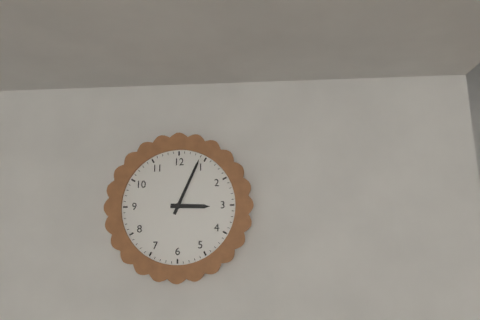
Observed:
3.04
